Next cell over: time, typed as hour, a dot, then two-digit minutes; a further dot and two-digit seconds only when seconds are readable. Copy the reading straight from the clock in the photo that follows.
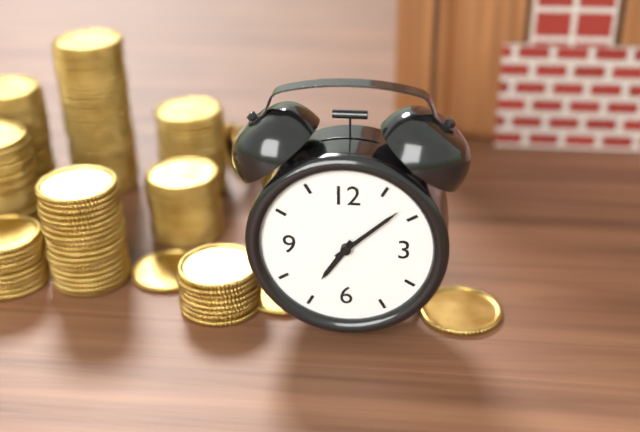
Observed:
7.08
